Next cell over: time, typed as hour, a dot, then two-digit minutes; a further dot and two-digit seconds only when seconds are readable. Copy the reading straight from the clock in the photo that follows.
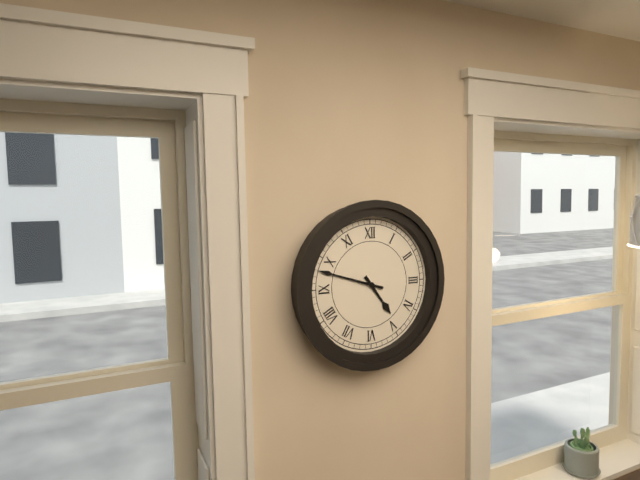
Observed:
4.48
